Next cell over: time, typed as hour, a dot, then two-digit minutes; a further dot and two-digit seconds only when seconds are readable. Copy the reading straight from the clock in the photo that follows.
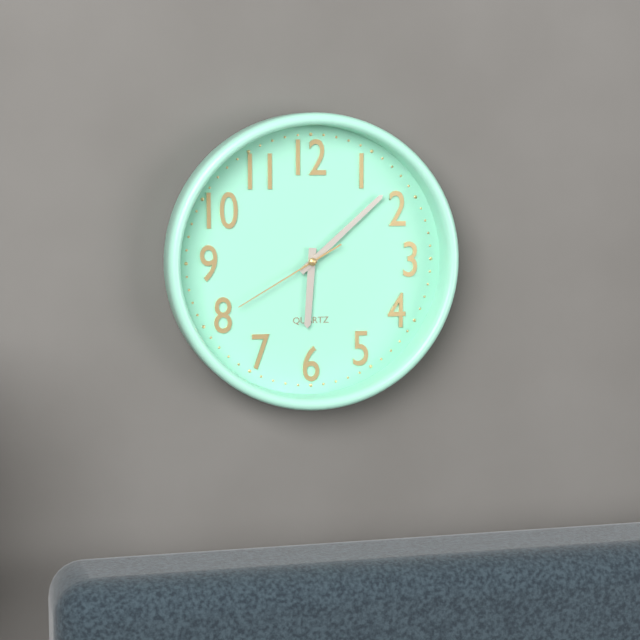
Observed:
6.08.40
